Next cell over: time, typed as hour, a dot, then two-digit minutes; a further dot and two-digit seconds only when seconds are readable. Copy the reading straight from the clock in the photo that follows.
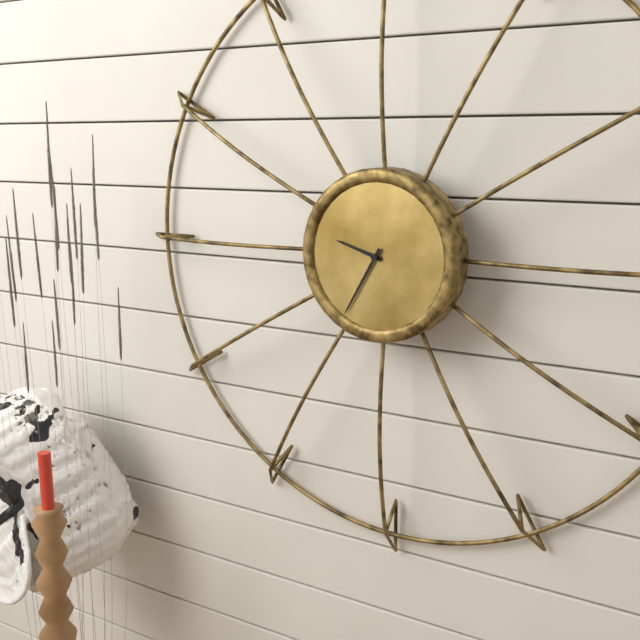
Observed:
9.35
